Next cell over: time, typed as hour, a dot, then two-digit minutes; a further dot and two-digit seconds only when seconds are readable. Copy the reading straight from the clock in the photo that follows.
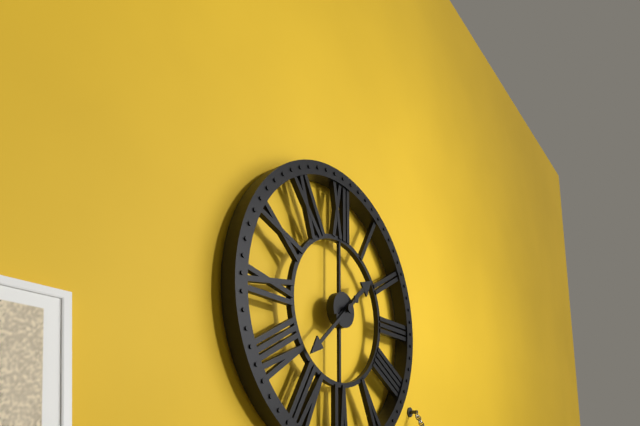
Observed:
1.38
